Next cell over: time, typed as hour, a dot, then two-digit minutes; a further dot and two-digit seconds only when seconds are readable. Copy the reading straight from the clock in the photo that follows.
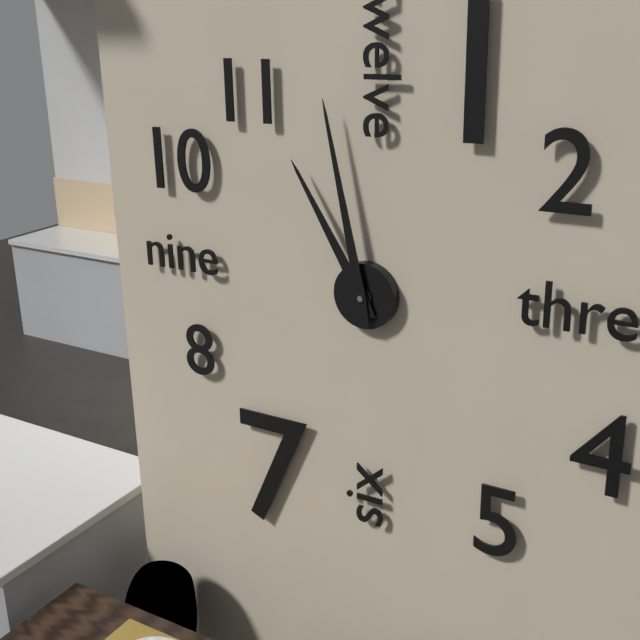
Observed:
10.58
